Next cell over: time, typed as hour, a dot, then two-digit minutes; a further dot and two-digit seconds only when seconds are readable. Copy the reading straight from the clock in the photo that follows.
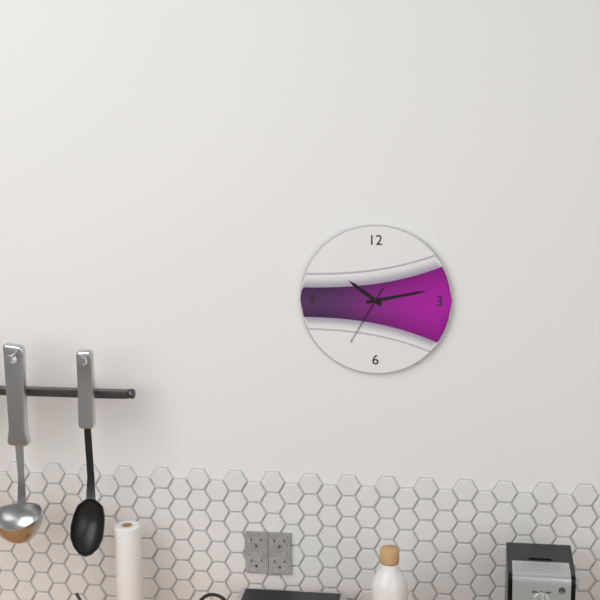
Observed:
10.13.35
